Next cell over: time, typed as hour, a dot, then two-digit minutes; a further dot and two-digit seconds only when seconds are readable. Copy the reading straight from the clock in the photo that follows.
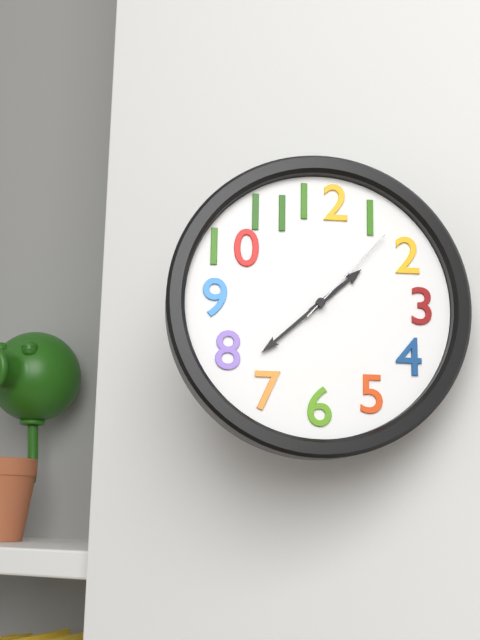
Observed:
1.38.07
